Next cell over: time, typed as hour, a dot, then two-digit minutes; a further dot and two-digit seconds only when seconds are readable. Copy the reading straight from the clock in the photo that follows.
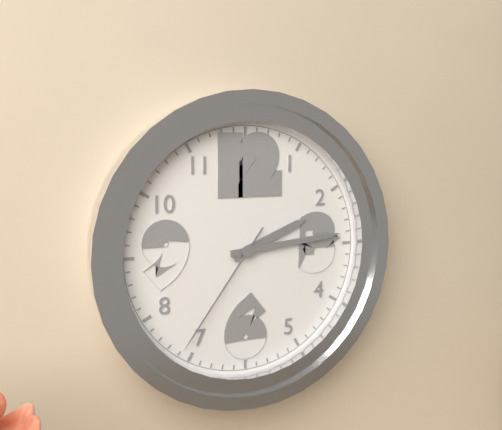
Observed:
2.14.36
